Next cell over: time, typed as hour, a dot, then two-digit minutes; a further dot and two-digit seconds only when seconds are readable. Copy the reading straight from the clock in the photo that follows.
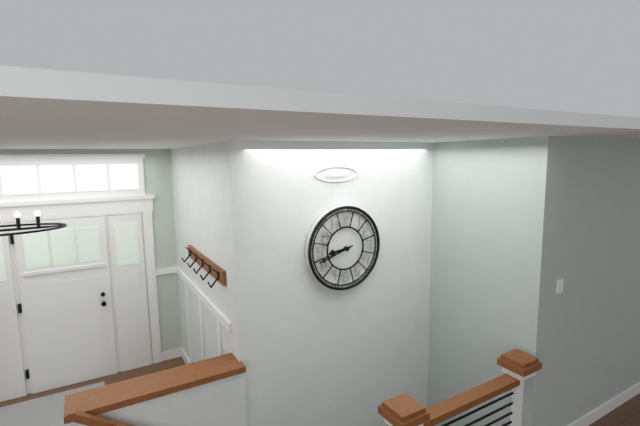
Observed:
8.42
